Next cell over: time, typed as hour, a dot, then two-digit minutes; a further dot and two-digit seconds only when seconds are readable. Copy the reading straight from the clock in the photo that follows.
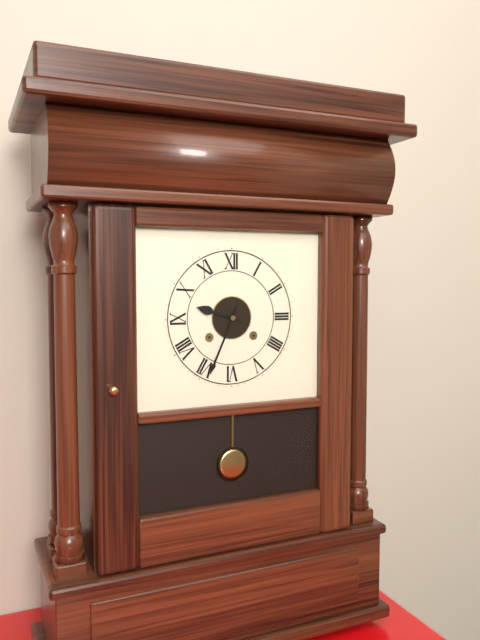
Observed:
9.34
